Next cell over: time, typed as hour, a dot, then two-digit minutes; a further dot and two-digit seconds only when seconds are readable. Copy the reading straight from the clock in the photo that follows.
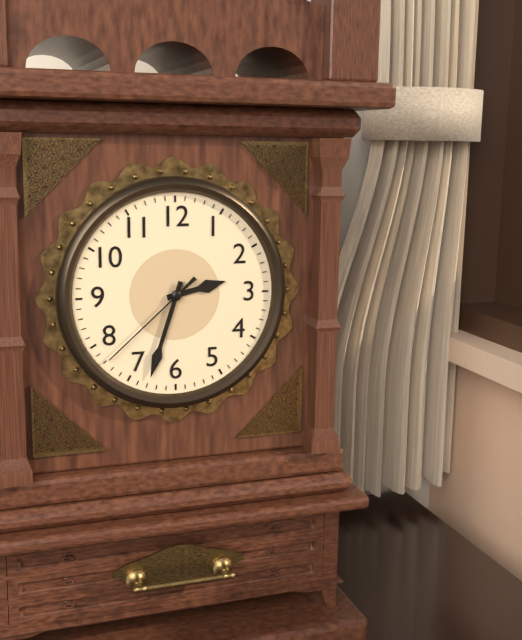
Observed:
2.33.38
